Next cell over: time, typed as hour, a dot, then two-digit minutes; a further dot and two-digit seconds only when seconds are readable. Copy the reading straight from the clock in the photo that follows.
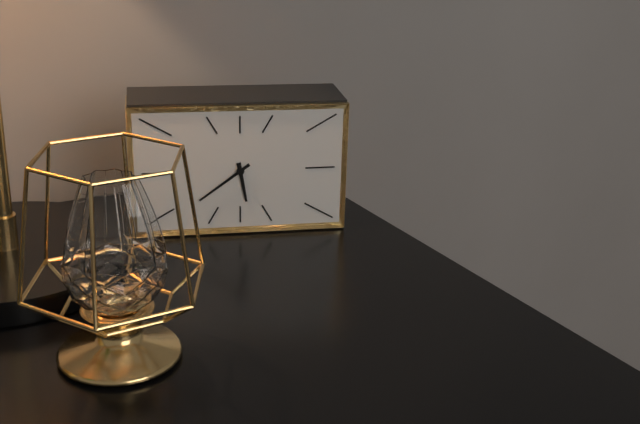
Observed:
5.39
